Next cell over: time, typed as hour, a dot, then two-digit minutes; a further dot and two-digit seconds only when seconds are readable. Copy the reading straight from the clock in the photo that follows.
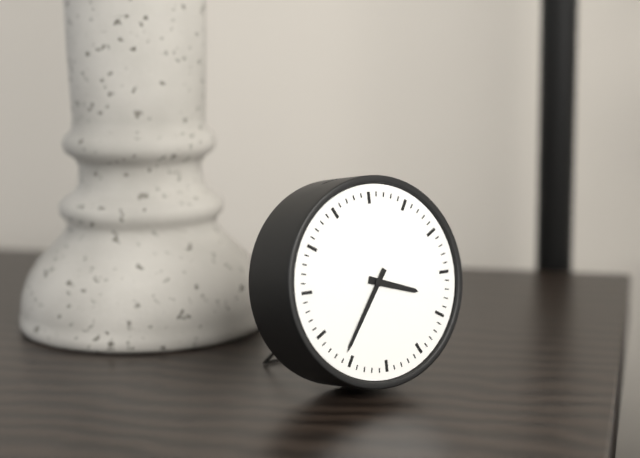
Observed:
3.36
